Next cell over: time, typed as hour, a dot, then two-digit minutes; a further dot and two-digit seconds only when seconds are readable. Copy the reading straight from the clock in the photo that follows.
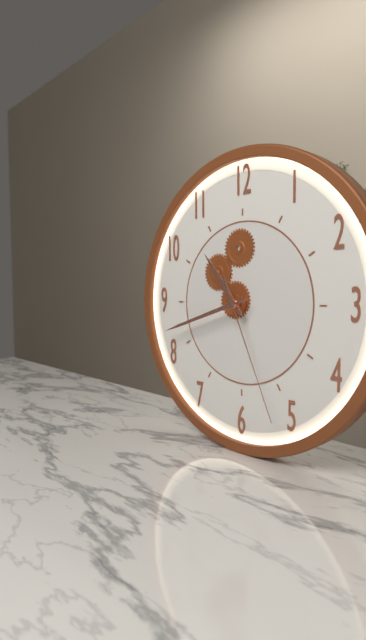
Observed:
10.42.26
